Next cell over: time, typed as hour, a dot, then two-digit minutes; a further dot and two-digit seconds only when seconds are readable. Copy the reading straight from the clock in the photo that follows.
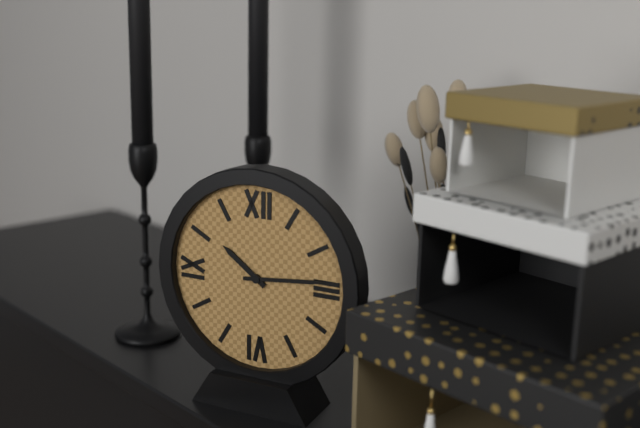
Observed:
10.14
